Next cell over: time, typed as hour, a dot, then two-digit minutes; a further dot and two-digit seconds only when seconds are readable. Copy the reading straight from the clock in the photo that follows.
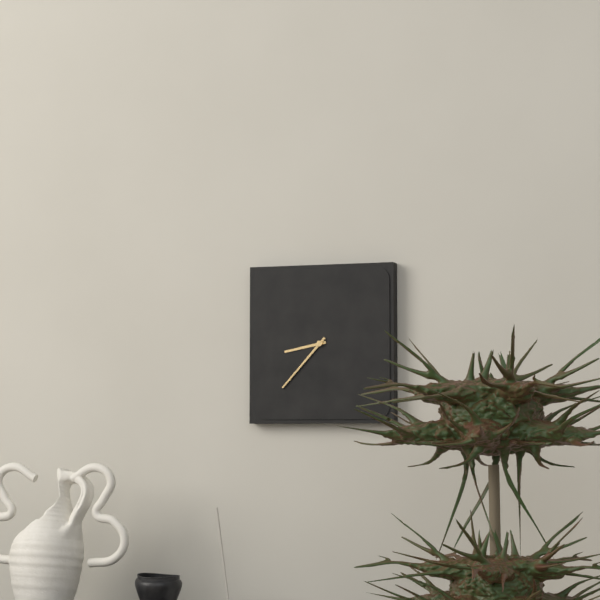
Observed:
8.37
